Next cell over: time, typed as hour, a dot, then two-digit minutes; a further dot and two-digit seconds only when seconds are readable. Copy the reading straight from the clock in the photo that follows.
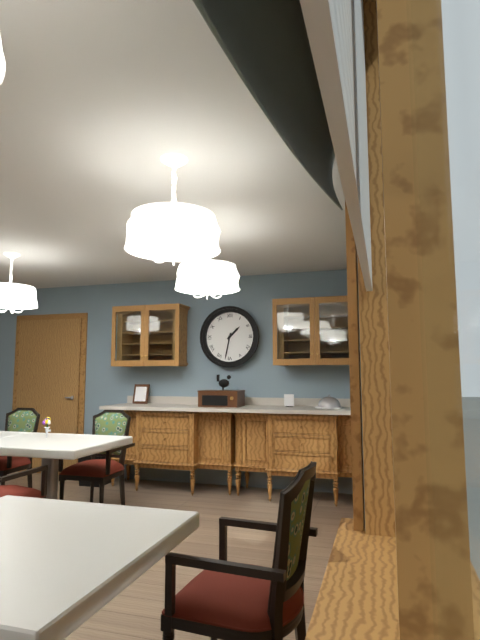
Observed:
1.32
